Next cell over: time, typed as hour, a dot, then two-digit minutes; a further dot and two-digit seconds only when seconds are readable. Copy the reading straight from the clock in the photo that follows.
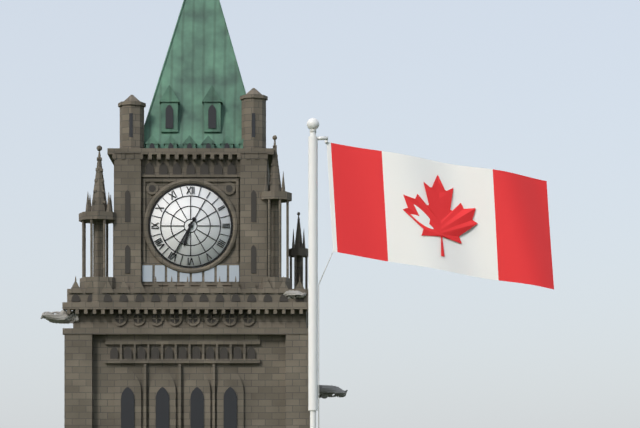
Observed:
6.35
